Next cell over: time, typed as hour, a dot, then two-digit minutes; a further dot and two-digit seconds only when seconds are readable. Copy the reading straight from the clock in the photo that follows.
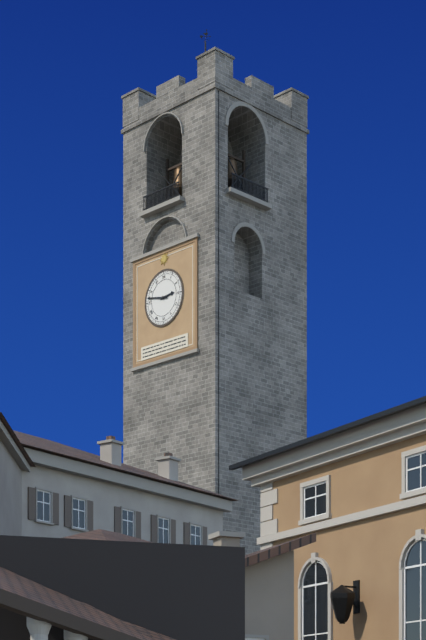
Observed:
2.47
